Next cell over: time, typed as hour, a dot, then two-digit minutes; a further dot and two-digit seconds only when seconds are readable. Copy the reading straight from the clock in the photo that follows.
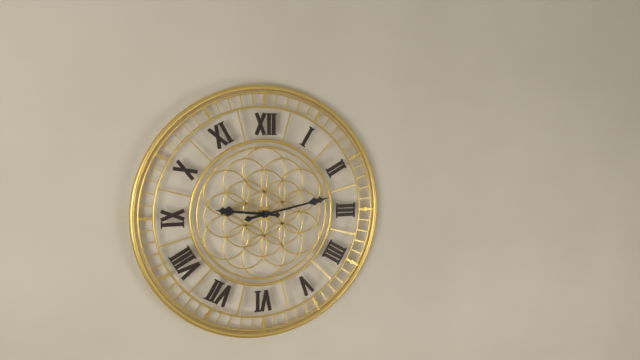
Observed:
9.13
